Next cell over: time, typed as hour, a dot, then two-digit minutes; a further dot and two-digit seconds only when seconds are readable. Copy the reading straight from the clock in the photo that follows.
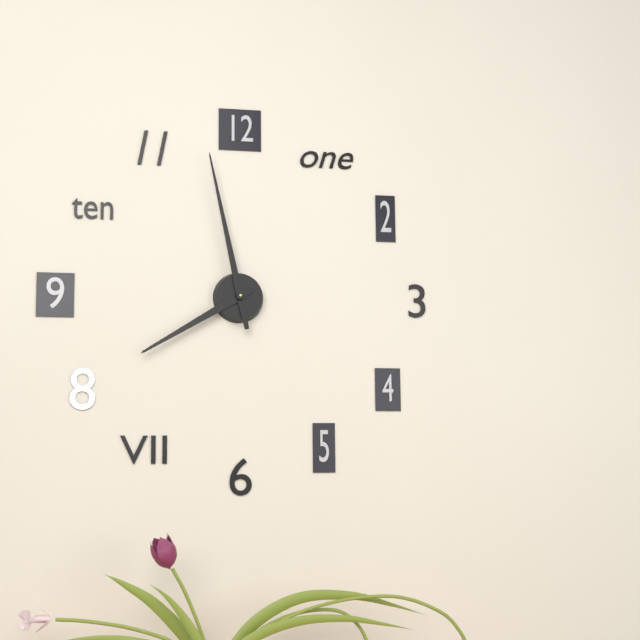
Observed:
7.58
